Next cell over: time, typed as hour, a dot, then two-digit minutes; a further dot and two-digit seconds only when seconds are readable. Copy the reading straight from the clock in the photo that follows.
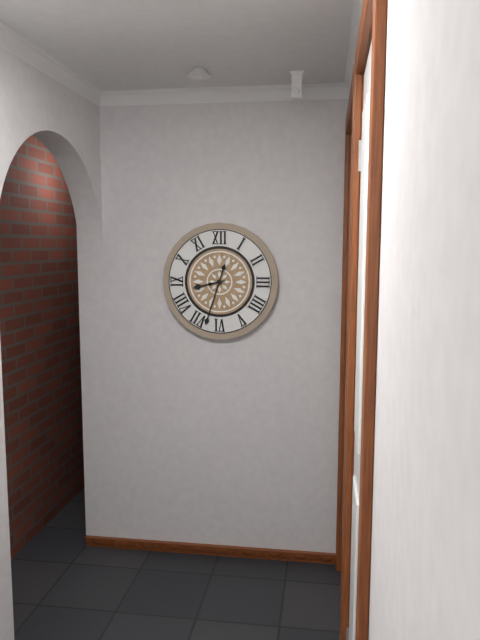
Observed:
8.33
